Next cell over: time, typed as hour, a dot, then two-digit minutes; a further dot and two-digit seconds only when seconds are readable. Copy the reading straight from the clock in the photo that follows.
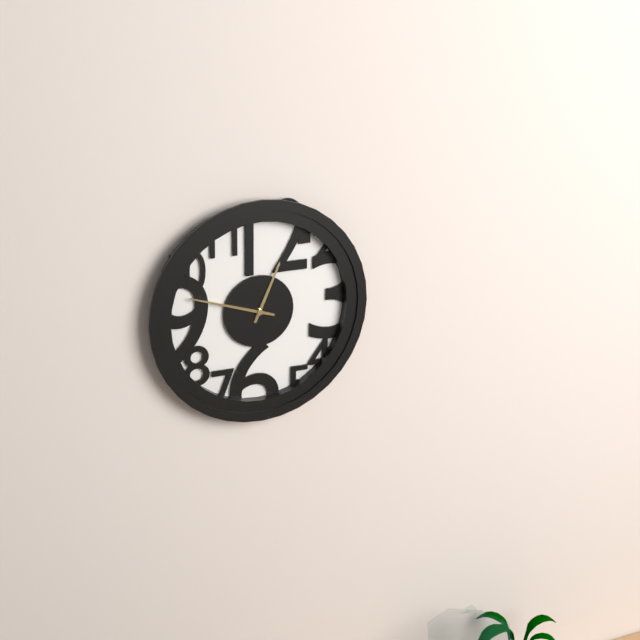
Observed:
12.48
